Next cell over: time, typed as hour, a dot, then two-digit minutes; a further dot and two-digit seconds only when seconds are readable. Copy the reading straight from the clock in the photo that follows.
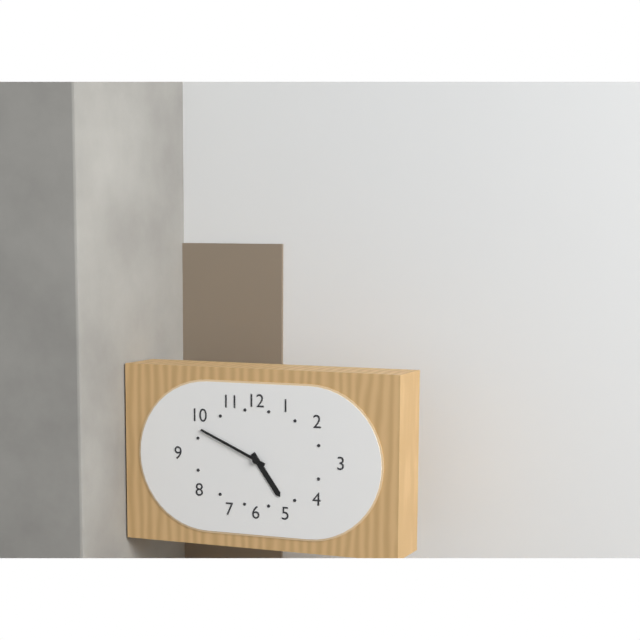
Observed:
4.49
